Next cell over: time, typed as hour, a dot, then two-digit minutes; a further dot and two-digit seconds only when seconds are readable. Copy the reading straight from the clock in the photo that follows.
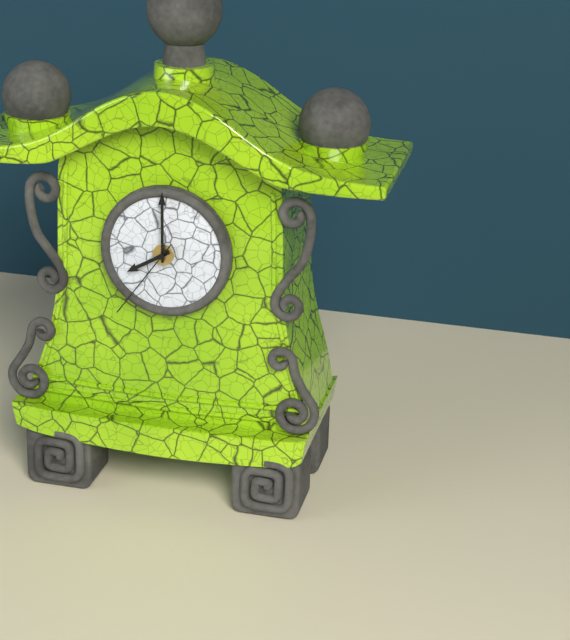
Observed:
8.00.36
